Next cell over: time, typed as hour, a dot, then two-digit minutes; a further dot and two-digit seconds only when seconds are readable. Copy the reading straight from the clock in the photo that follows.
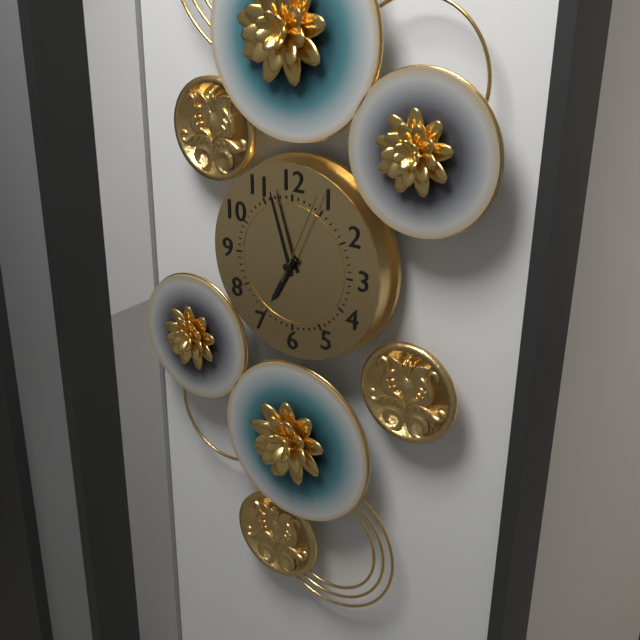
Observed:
6.57.04
